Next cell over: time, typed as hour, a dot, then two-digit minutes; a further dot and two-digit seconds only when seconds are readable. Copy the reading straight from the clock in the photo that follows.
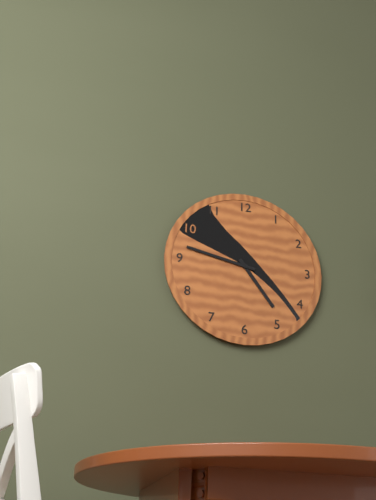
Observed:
4.47
